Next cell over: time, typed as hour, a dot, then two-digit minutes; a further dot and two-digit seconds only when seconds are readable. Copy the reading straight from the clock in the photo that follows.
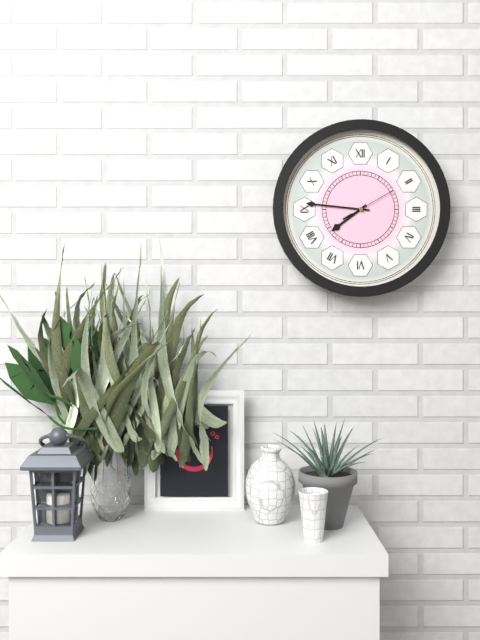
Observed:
7.46
